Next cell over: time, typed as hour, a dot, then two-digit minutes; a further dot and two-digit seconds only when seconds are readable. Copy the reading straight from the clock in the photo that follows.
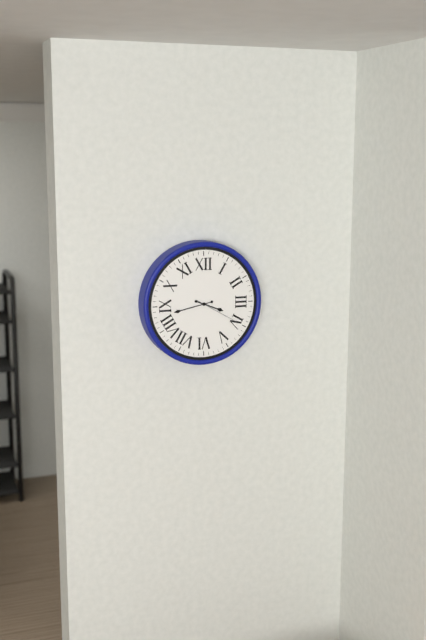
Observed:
3.43
